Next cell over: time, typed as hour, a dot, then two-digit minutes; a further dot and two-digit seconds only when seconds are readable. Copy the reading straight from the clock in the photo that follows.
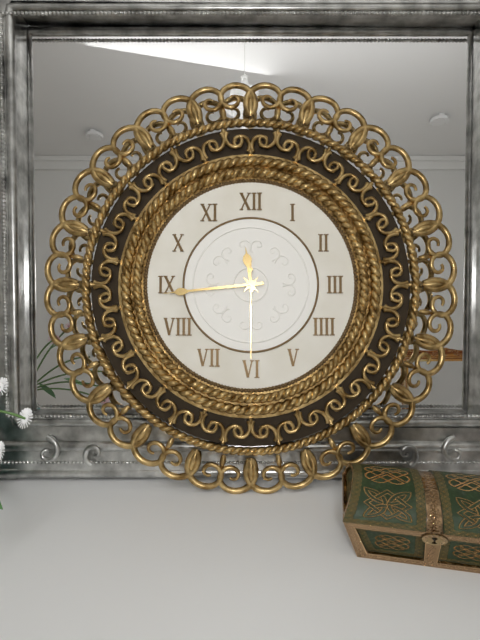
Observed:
11.44.30
